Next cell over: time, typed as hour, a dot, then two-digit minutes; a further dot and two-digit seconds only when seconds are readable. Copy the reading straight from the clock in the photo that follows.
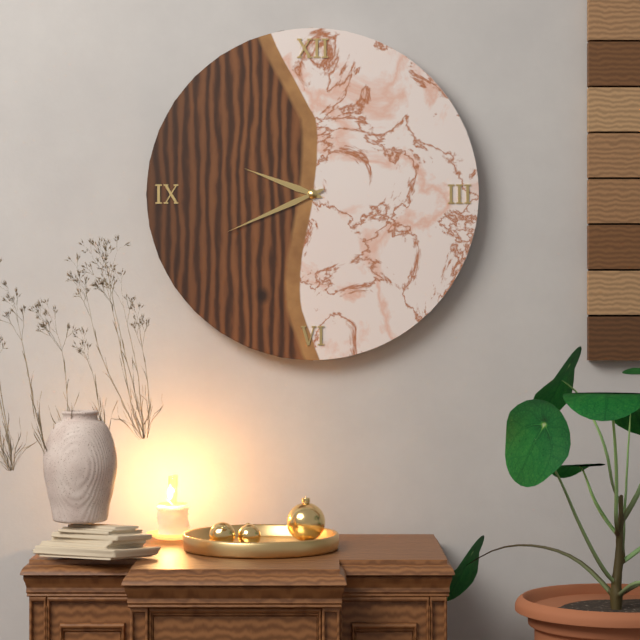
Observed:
9.41
